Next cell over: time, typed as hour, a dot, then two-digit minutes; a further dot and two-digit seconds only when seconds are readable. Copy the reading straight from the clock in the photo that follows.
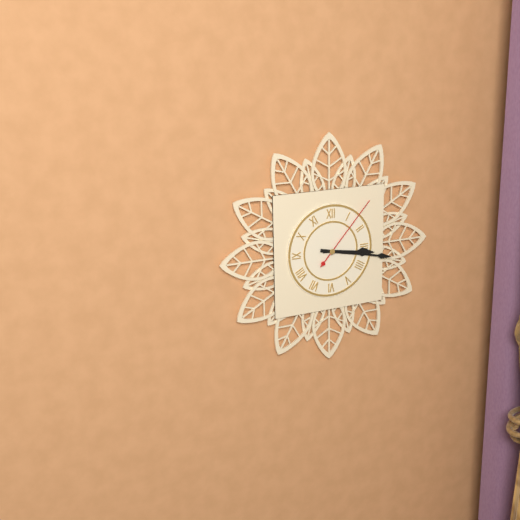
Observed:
3.17.07
